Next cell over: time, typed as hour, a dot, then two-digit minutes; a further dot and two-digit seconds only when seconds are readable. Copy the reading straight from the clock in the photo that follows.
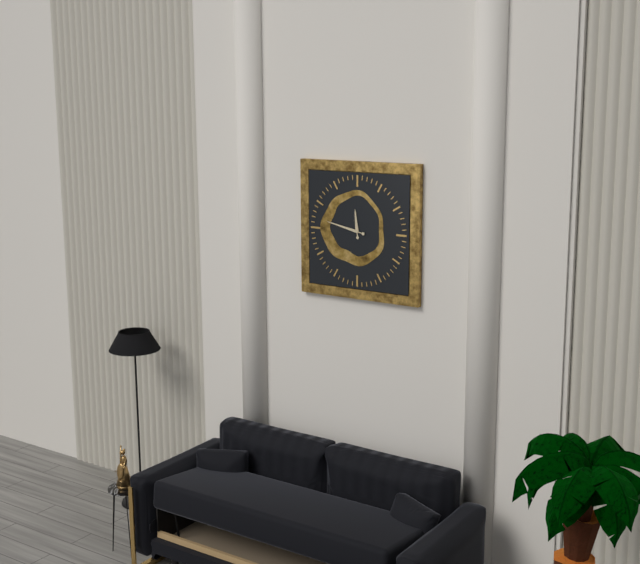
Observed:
11.47
